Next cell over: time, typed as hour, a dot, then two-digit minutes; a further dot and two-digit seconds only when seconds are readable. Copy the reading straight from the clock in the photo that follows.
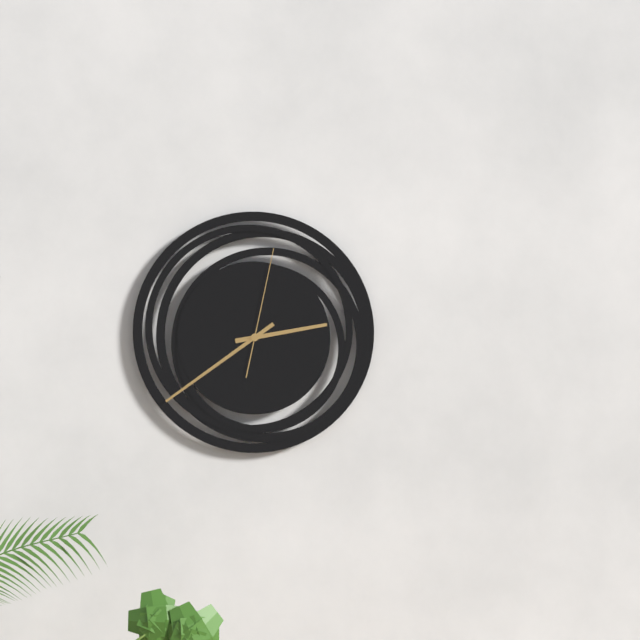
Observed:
2.39.02
